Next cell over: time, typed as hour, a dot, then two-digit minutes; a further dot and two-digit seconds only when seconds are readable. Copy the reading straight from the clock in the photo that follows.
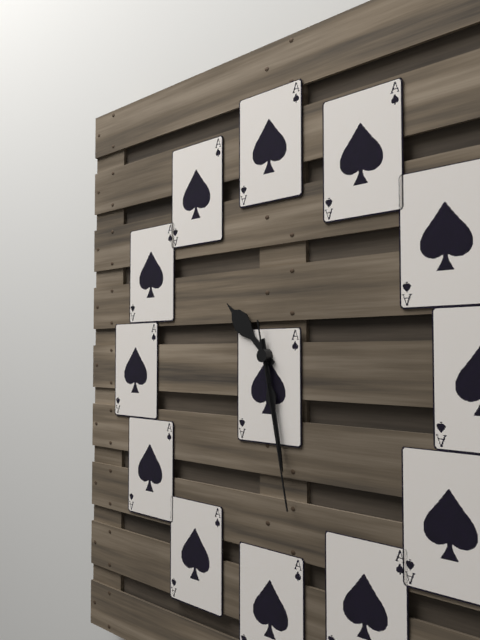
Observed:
10.28.28
